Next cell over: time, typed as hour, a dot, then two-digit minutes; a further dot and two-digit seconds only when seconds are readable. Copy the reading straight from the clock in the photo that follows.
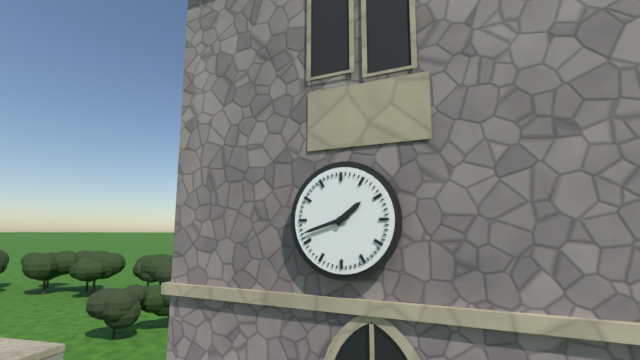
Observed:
1.42
